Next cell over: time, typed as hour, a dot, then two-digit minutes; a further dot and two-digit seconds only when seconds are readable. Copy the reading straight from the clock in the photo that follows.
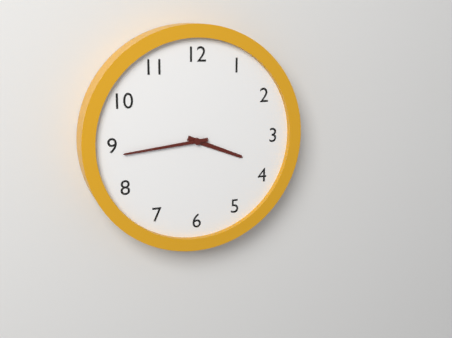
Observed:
3.44
